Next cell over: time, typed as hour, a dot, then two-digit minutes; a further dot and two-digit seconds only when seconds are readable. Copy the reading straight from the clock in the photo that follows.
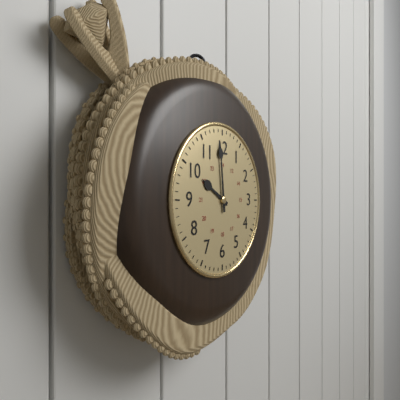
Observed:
9.59
